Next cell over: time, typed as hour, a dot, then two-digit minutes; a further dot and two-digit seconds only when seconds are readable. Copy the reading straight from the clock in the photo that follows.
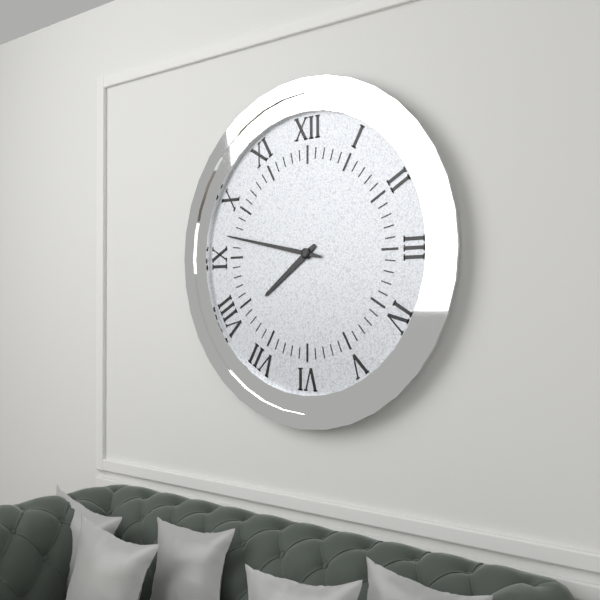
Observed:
7.47
